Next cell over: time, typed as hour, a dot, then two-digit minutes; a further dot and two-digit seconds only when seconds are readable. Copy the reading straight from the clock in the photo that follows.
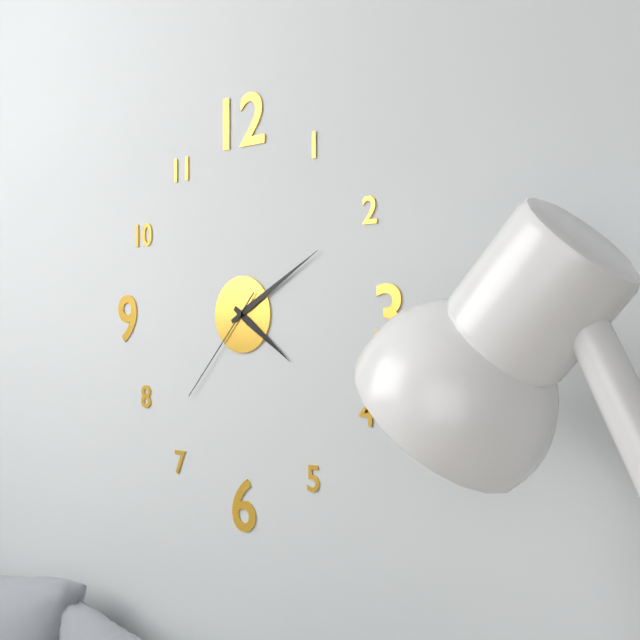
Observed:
4.10.37
